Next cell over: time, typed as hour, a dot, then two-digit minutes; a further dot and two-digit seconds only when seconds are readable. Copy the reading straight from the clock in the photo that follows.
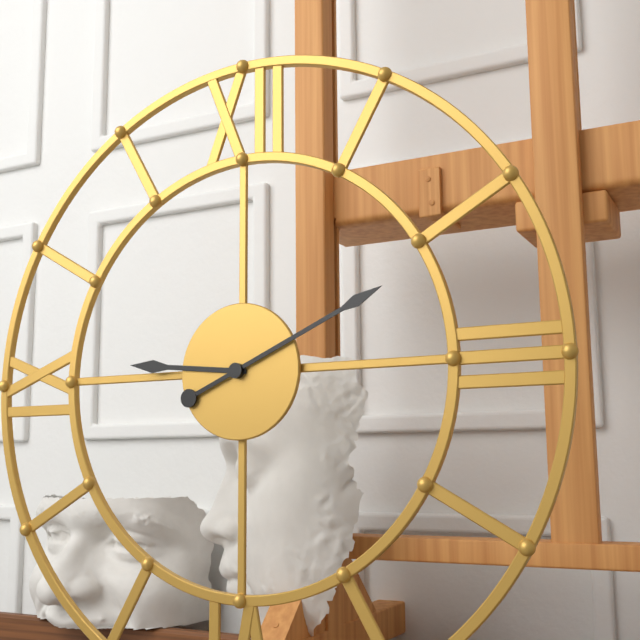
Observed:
9.11
